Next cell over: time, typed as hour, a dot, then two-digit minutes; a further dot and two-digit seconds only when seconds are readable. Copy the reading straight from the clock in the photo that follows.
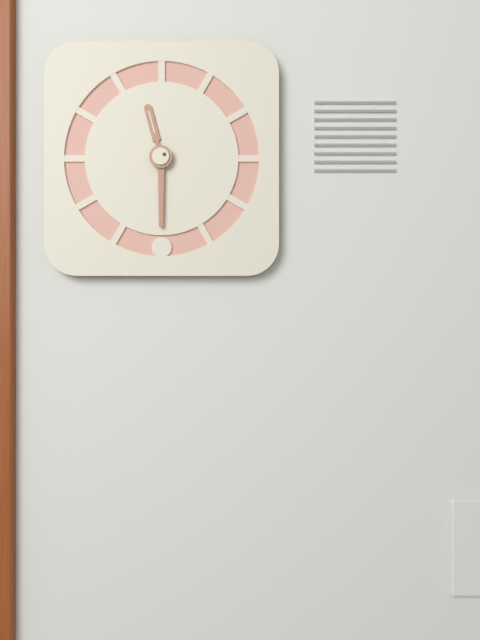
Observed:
11.30
